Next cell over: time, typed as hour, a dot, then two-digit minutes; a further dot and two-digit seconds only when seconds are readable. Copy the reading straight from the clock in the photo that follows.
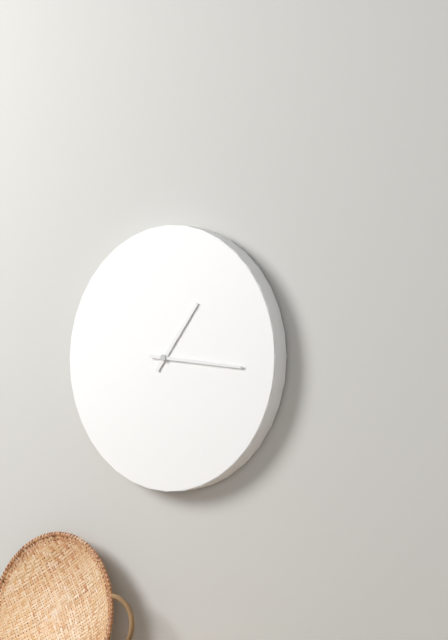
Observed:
1.16
